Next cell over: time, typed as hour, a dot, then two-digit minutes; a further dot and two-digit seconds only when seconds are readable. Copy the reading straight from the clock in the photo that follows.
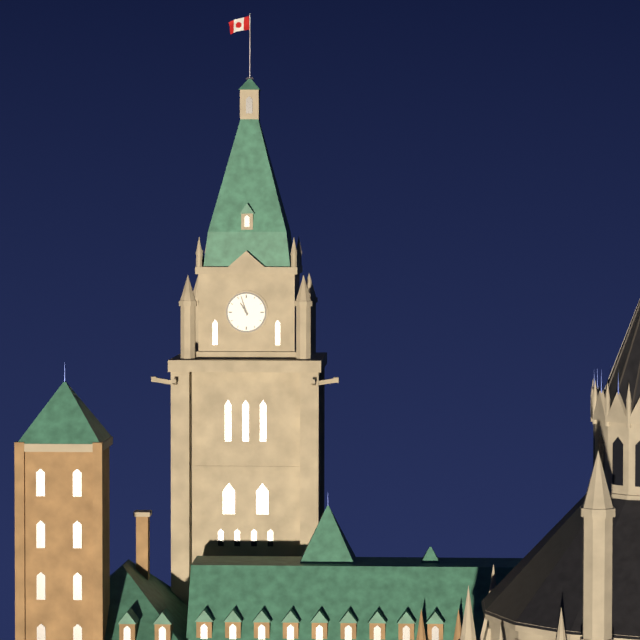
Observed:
10.57
